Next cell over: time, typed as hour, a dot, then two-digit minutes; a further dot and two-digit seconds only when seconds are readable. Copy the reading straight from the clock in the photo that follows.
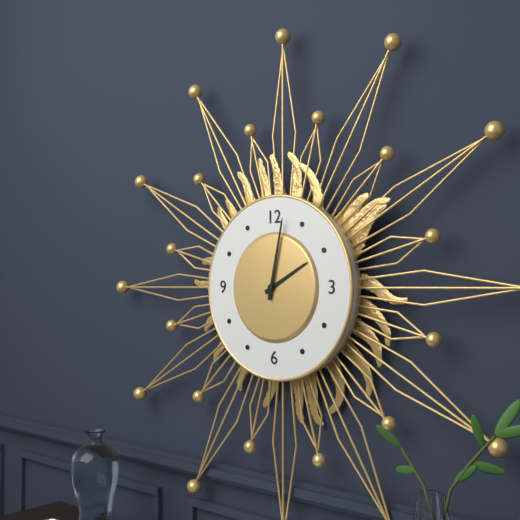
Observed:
2.02
